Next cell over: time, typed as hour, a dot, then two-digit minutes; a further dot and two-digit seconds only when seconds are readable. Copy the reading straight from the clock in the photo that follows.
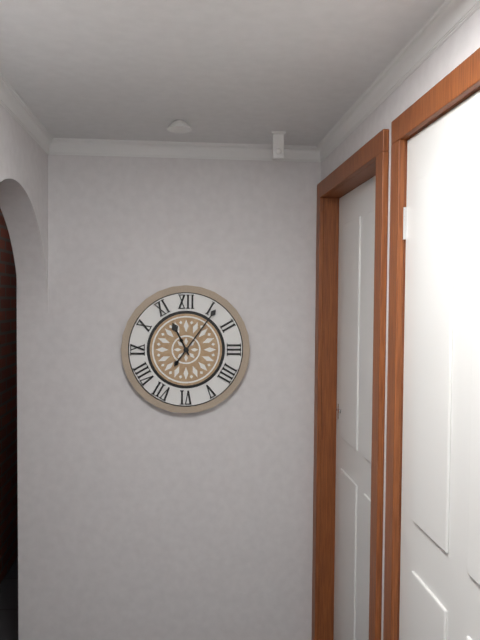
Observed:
11.06
